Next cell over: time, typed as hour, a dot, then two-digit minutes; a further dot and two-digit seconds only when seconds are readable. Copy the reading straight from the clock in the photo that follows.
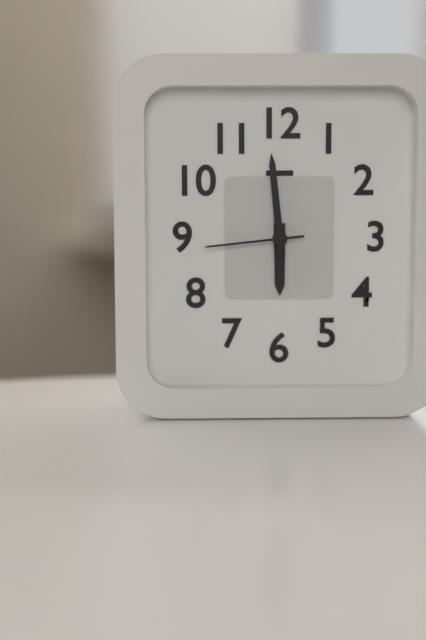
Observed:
5.59.44
